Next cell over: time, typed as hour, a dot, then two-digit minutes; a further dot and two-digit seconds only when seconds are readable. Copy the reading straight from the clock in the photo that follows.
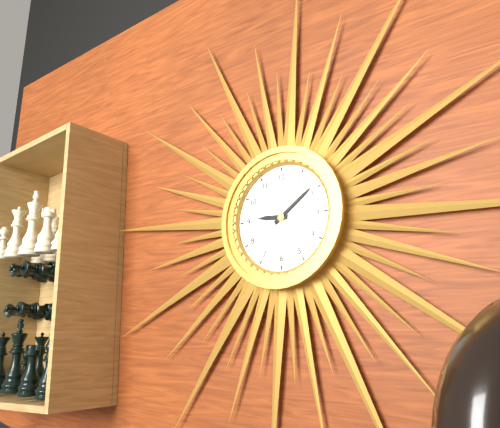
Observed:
9.09
